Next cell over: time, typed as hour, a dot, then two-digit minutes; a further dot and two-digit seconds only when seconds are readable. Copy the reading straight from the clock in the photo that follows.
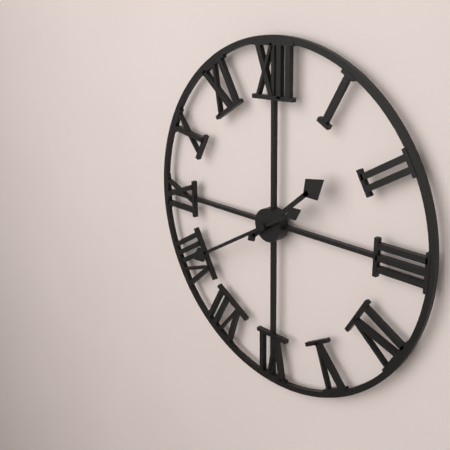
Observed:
1.40
